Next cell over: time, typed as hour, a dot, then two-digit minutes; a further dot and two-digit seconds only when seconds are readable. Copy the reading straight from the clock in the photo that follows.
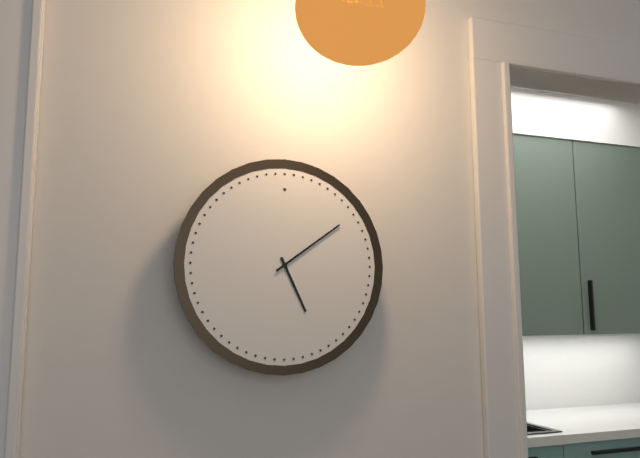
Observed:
5.09
